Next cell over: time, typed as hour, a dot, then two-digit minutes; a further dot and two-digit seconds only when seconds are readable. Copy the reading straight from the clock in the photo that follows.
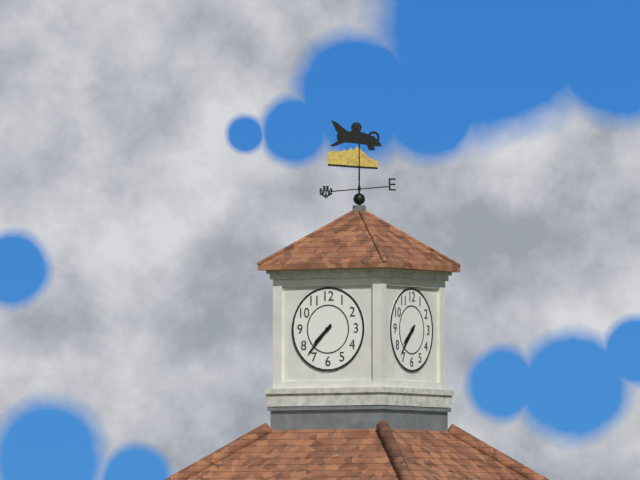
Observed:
7.37
